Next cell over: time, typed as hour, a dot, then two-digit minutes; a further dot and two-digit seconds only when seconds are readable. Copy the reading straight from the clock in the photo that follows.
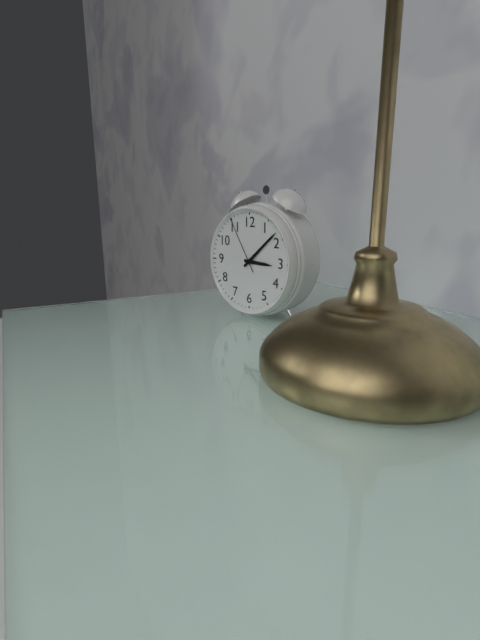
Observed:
3.08.55
